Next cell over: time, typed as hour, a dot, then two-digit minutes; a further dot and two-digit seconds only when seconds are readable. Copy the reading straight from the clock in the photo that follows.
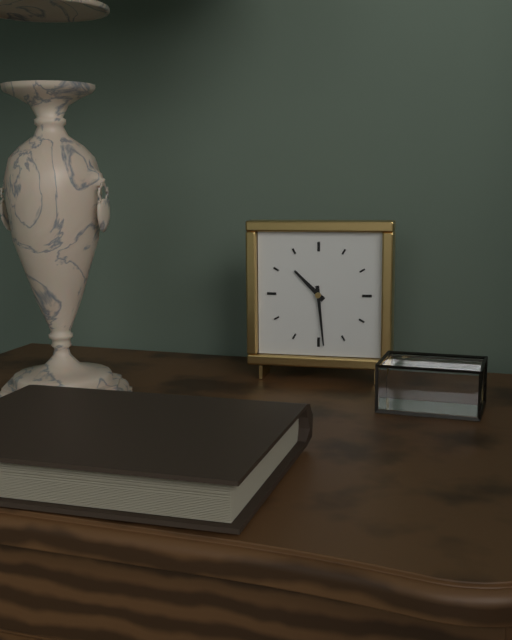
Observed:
10.29
